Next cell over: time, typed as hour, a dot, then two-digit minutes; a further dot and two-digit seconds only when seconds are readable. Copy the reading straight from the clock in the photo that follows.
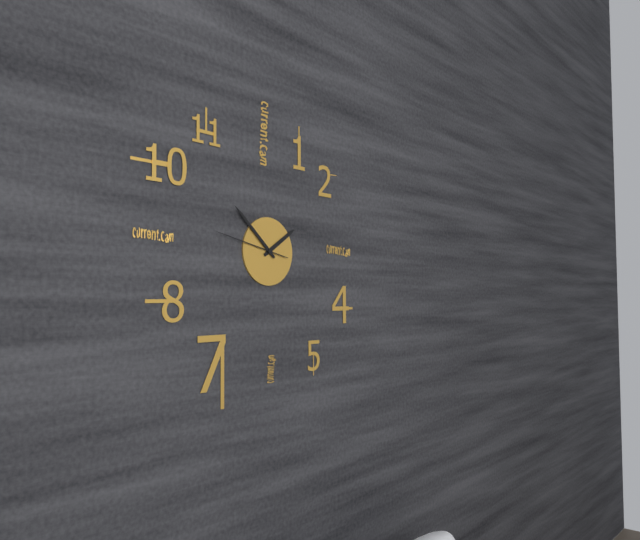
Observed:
1.52.47
